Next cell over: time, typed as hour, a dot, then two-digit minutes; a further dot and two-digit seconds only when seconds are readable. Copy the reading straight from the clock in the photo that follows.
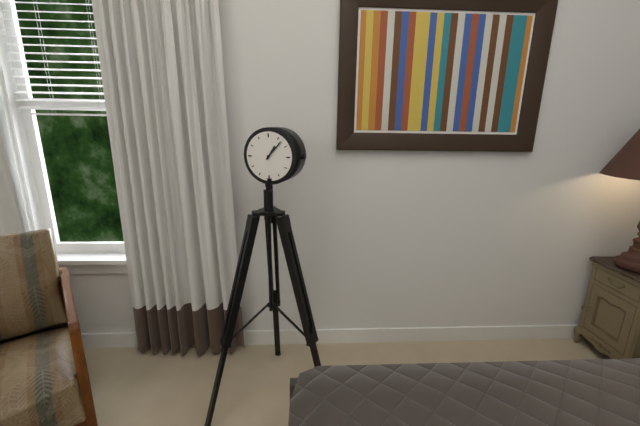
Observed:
1.07
